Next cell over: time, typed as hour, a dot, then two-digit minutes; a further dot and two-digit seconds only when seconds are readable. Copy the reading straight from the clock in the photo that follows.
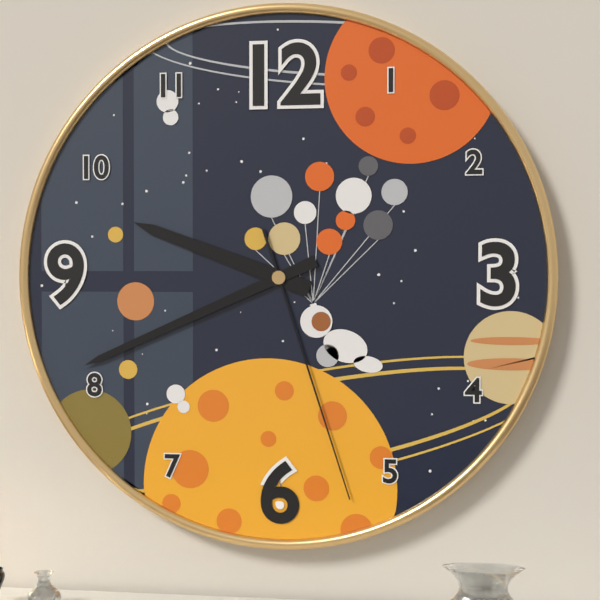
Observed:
9.41.27
